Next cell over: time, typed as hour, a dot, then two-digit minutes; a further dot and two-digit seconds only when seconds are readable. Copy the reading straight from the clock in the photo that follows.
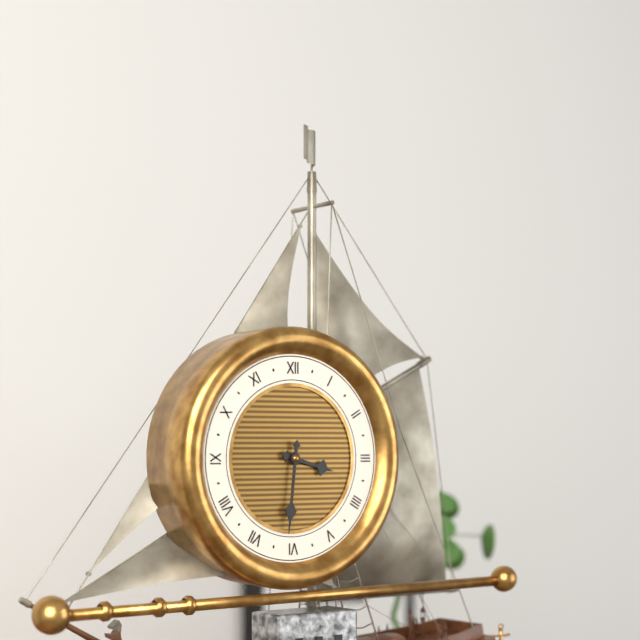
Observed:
3.31
